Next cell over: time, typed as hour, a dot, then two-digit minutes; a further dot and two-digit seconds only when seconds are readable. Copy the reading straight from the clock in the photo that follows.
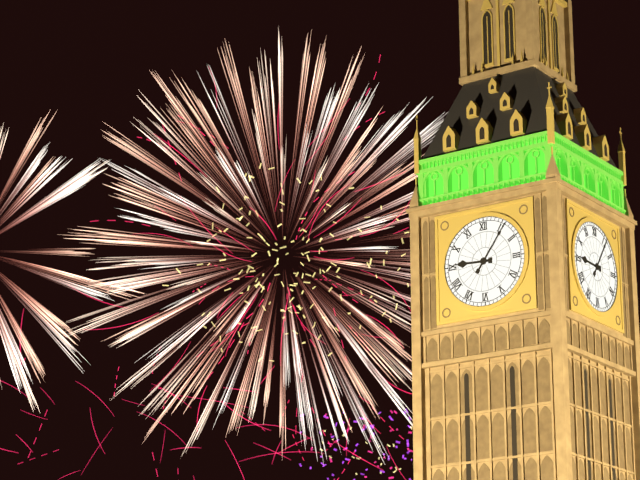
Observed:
9.06
